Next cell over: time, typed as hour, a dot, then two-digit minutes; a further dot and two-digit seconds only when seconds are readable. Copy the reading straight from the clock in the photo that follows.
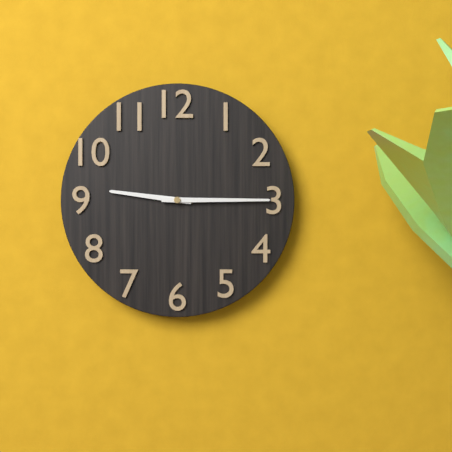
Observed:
9.15
